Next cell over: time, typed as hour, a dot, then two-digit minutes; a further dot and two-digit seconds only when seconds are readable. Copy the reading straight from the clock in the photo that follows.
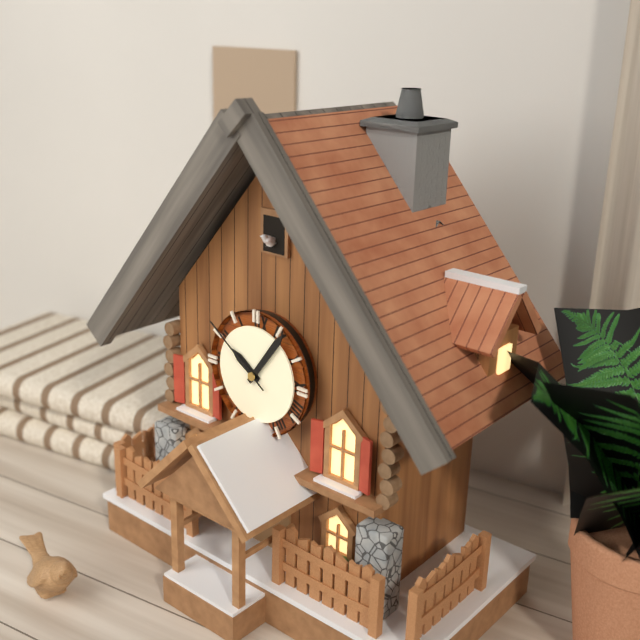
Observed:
10.06.51
